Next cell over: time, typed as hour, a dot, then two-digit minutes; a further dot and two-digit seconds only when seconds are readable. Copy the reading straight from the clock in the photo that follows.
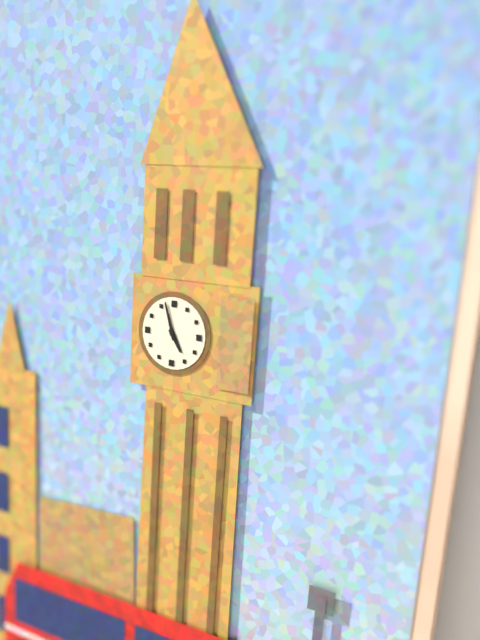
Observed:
4.57
